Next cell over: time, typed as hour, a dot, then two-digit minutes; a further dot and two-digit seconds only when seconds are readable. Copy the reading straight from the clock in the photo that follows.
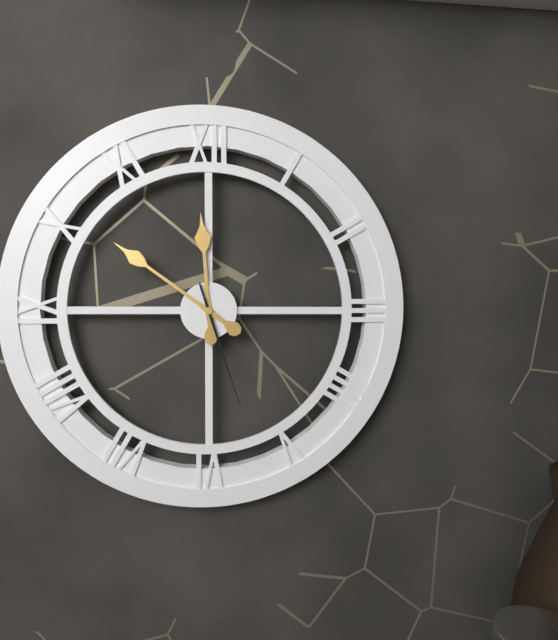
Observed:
11.51.27
